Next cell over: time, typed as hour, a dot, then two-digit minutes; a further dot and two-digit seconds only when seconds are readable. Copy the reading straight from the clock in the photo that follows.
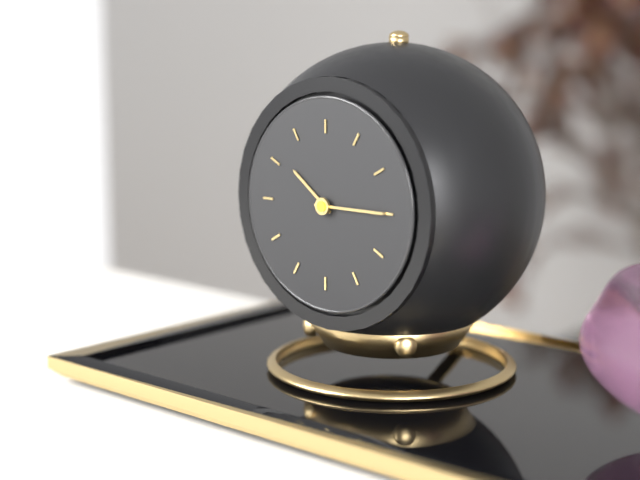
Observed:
10.15
